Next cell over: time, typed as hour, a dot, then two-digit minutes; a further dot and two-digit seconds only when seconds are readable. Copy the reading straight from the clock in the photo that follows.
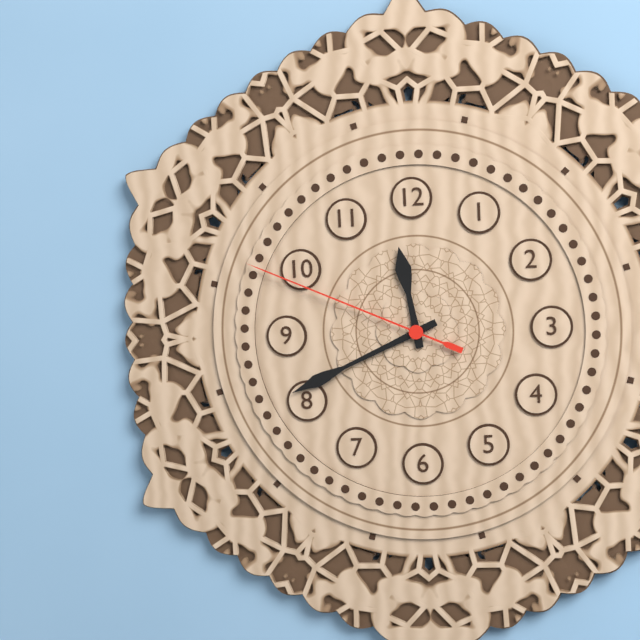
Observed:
11.41.49
